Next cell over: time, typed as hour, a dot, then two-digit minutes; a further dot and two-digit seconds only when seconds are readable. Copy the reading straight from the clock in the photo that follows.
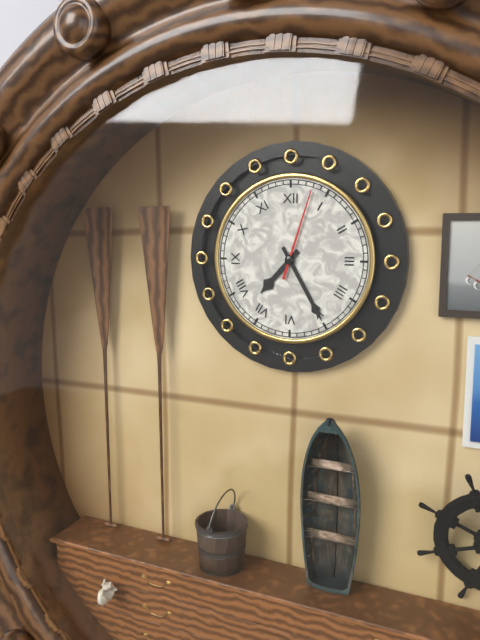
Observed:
7.25.03
